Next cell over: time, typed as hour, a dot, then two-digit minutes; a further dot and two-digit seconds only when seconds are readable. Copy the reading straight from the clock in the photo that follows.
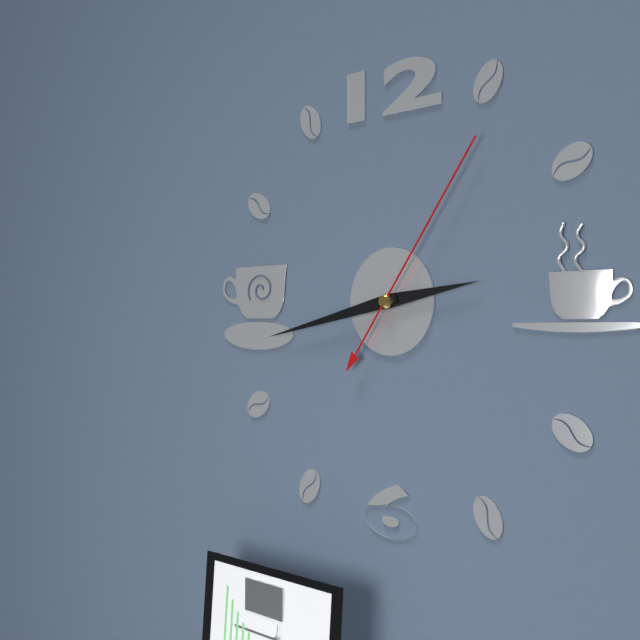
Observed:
2.43.06
